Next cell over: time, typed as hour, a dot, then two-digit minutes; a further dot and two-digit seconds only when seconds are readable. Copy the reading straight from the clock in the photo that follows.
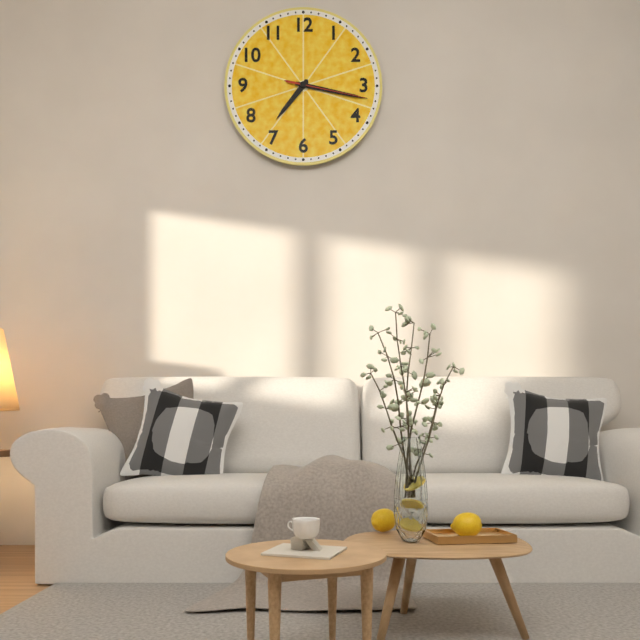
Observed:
7.17.17
